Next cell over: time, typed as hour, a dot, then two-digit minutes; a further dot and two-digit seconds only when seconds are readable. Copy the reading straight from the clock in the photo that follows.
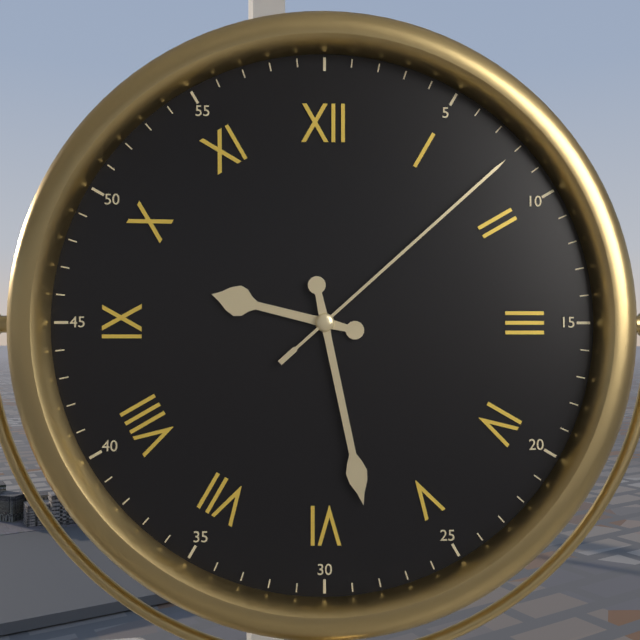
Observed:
9.28.08
